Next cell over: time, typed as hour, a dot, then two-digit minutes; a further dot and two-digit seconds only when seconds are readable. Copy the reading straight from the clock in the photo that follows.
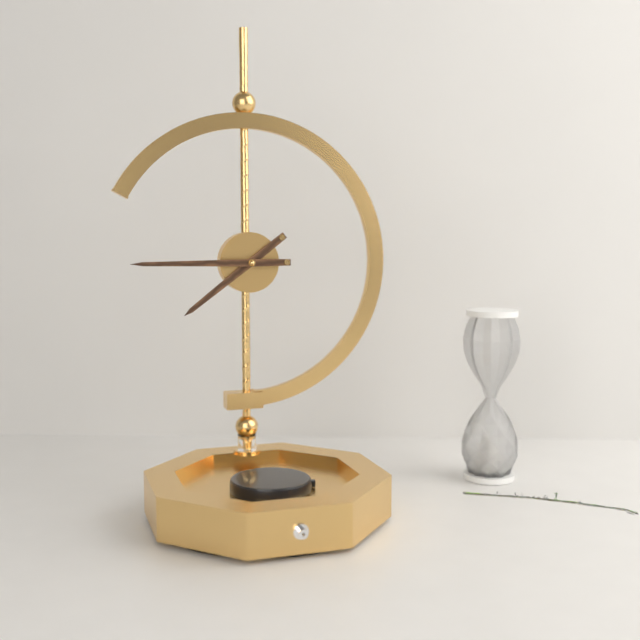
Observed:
7.45
